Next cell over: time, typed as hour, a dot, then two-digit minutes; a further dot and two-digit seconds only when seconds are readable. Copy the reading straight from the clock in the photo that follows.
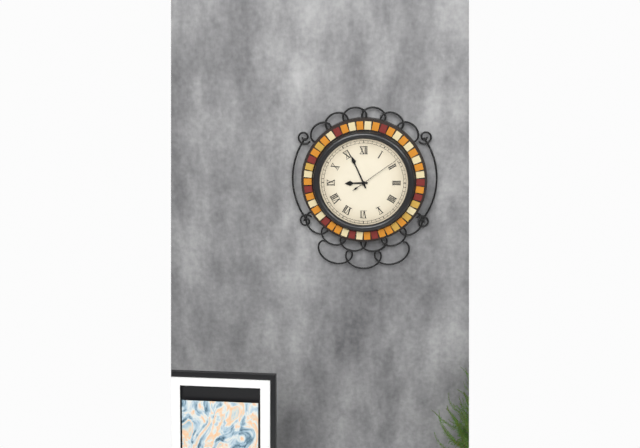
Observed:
8.56
